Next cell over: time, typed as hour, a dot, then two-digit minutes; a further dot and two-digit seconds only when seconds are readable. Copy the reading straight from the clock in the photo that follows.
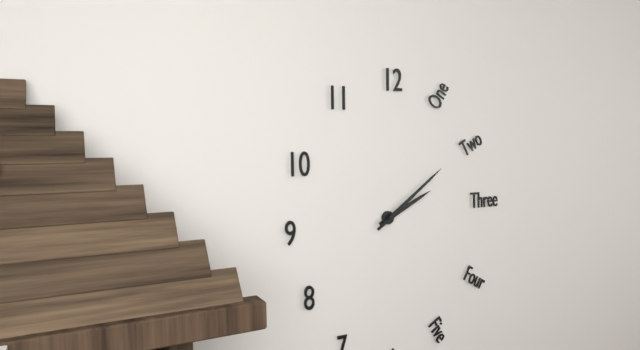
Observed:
2.09
